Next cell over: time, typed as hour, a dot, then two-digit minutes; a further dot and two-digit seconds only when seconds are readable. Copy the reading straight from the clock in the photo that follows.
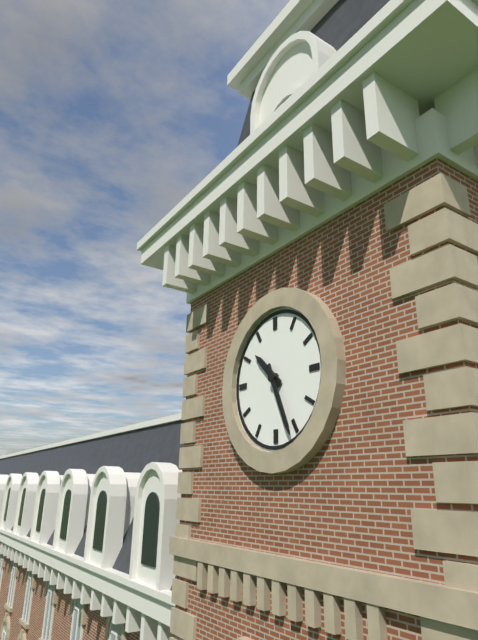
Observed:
10.26
